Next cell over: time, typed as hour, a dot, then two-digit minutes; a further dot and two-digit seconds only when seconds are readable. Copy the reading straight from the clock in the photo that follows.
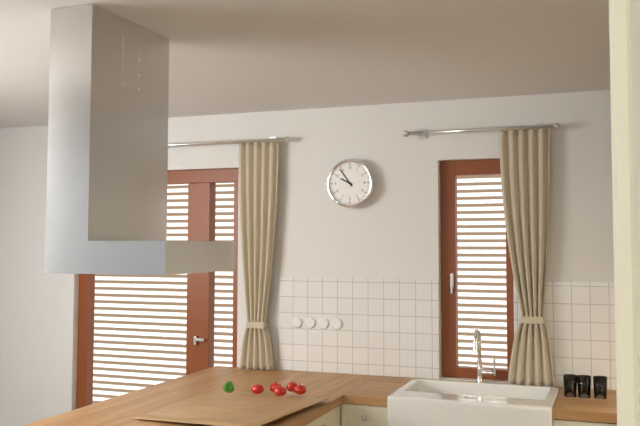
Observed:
9.54
